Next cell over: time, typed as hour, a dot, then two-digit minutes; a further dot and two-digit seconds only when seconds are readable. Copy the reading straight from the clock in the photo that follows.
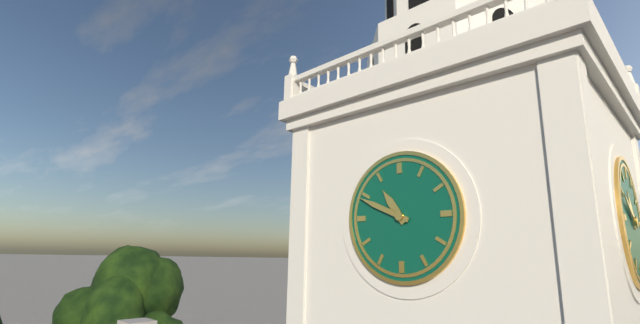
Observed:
10.49
